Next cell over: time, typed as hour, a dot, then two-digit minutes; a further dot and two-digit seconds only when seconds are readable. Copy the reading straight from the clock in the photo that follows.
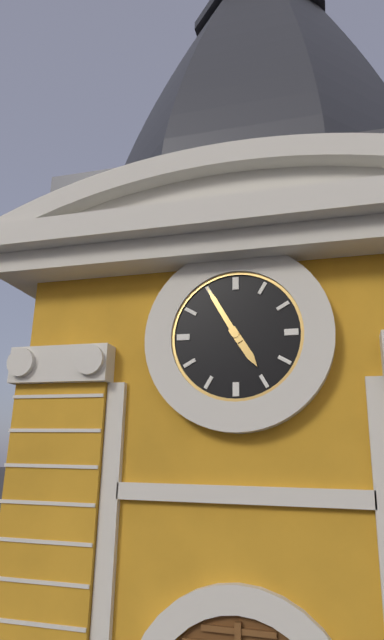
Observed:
4.55
